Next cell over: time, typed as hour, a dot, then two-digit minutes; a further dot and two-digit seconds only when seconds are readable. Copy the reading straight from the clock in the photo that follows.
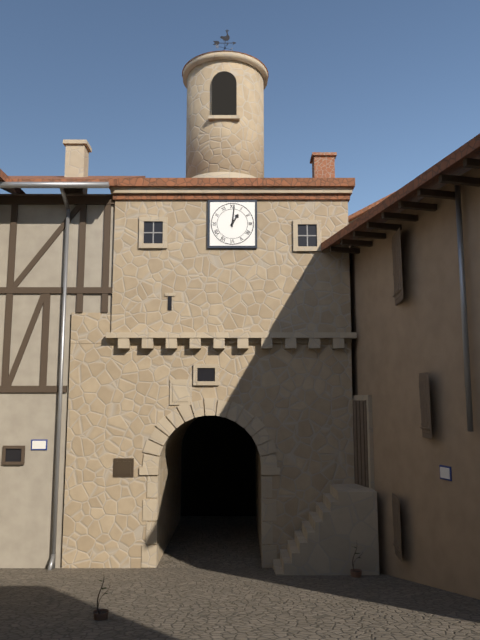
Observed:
1.01
